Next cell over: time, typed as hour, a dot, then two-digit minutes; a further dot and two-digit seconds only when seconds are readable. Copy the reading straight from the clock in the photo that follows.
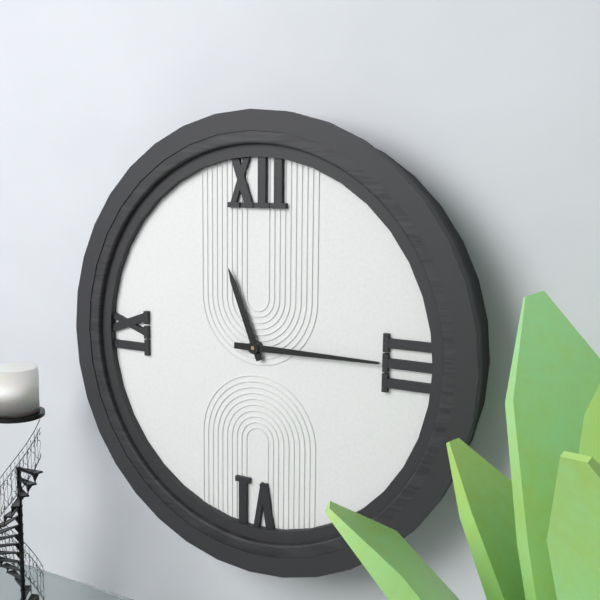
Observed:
11.15
